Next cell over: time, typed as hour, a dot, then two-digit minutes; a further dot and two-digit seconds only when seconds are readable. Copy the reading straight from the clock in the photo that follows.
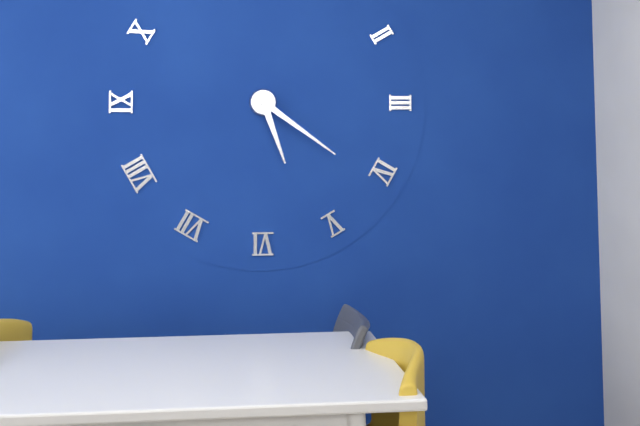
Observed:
5.21
